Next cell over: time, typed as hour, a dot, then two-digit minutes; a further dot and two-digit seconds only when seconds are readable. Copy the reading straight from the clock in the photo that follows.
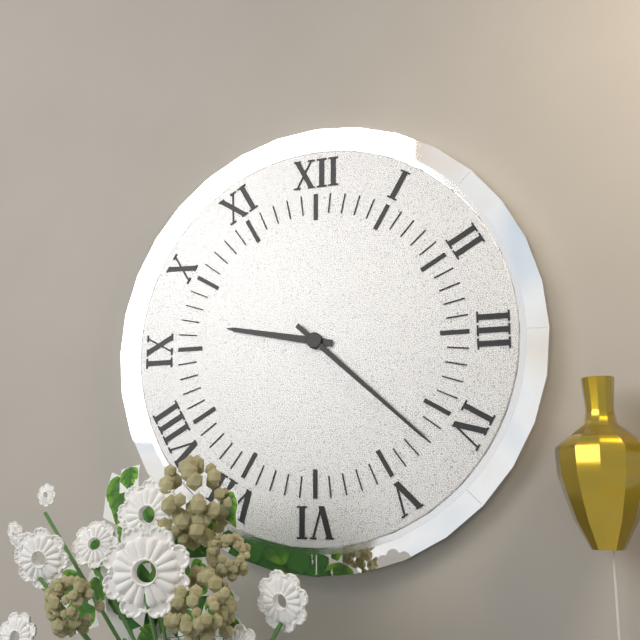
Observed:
9.22
